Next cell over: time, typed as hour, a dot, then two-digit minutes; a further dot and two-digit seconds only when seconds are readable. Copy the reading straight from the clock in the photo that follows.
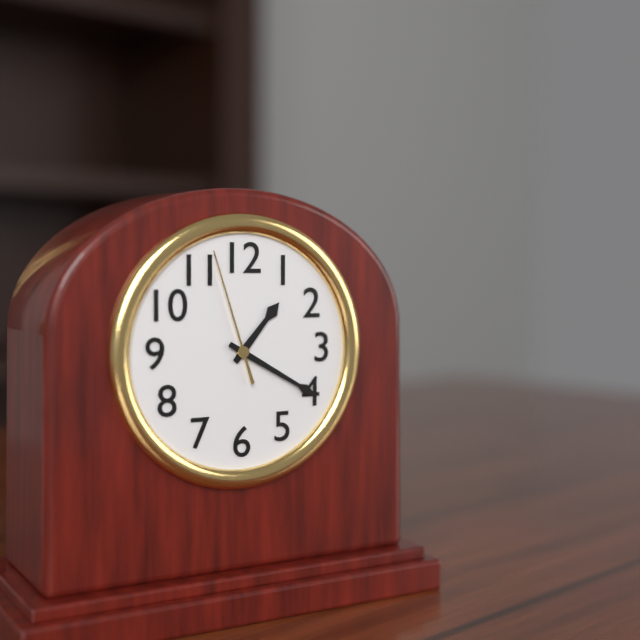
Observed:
1.20.57
